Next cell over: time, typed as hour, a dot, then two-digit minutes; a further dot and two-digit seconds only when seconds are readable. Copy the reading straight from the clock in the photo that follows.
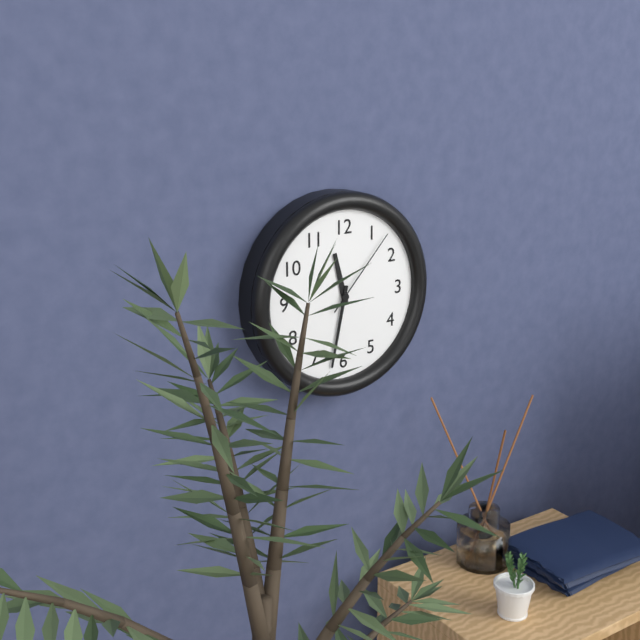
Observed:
11.32.07
